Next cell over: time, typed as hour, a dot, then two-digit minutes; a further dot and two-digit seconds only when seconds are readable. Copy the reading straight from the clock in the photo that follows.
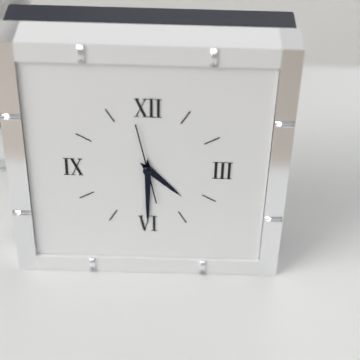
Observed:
4.30.58
